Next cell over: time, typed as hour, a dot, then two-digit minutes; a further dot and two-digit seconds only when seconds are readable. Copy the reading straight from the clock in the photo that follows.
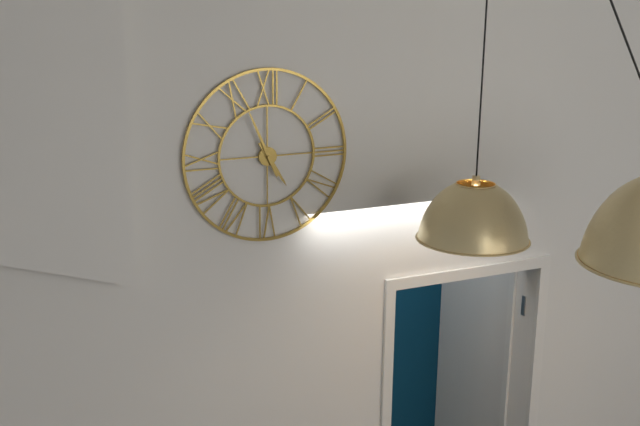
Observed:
4.56
